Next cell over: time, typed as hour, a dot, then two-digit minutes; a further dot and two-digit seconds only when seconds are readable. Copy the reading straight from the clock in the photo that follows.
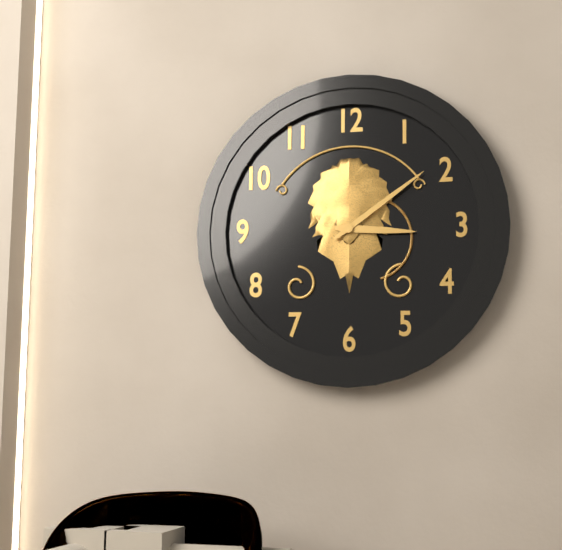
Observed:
3.09
